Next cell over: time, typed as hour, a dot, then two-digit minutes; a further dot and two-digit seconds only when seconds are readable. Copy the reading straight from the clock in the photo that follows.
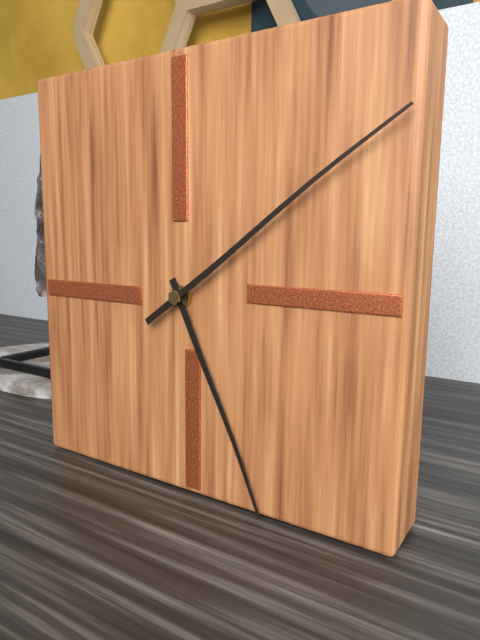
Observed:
5.09
